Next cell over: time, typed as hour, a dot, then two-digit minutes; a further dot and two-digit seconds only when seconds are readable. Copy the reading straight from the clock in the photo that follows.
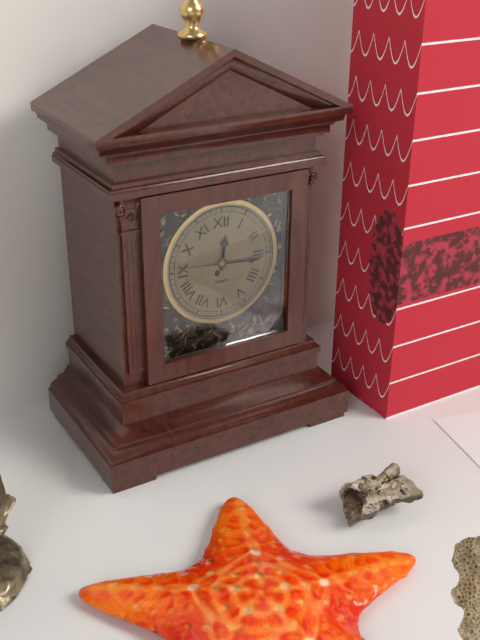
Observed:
12.16.46
